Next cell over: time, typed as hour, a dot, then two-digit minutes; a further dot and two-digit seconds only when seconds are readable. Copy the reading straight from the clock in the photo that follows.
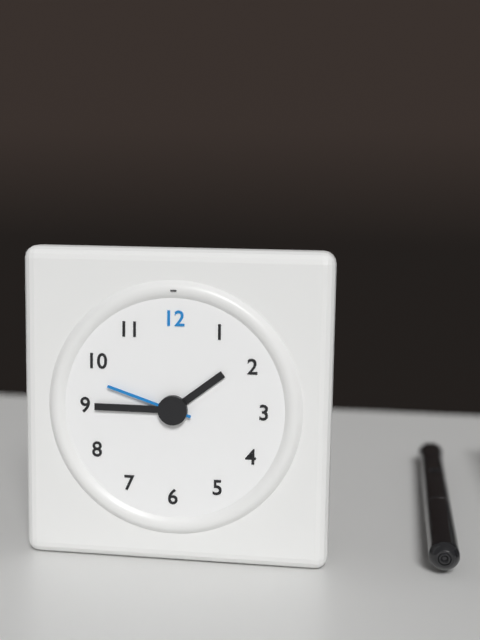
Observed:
1.45.48
